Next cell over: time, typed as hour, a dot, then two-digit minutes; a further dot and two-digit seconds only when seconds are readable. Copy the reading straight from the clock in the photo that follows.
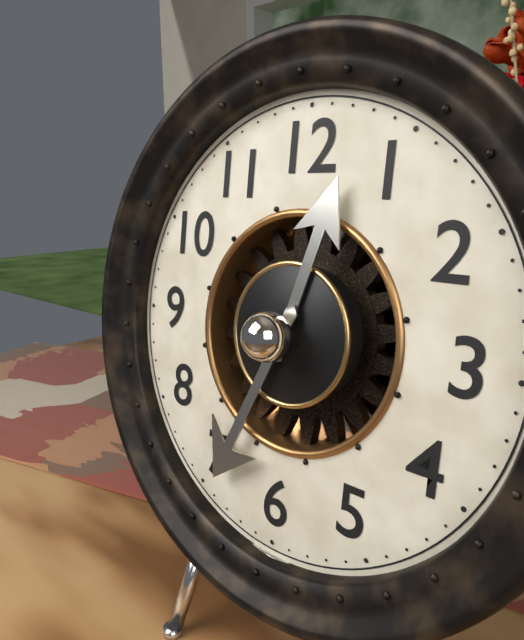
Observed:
12.34
